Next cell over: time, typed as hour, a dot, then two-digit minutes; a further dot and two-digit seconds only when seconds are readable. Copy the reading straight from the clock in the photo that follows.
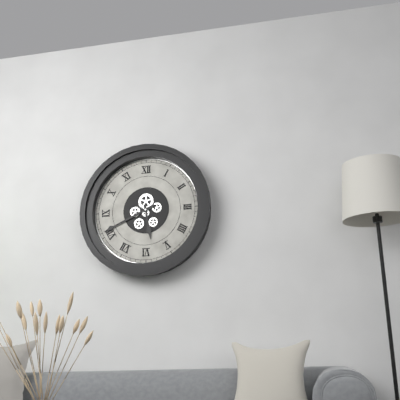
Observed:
5.41
